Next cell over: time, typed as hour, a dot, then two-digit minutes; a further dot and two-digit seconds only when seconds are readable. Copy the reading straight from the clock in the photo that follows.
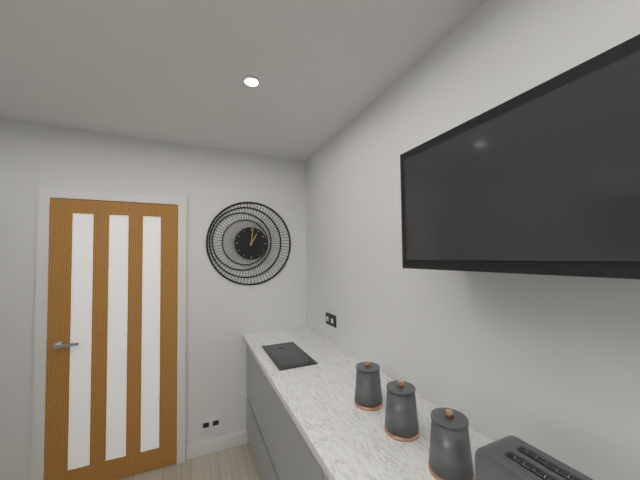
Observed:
1.01
